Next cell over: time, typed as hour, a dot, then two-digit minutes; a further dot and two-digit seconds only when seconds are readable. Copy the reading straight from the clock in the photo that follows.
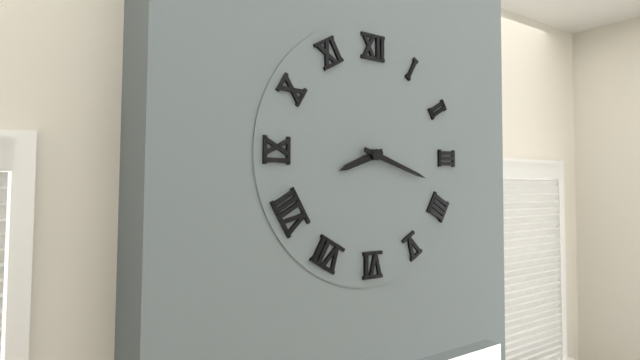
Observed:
8.18
